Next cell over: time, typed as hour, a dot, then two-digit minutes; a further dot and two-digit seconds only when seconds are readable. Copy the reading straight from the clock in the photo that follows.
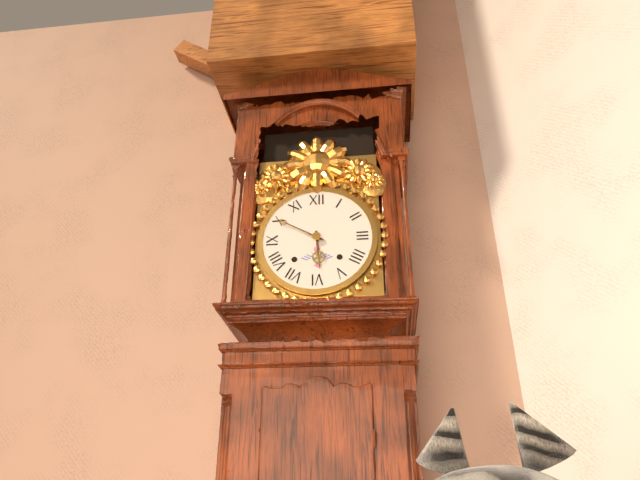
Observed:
5.50
